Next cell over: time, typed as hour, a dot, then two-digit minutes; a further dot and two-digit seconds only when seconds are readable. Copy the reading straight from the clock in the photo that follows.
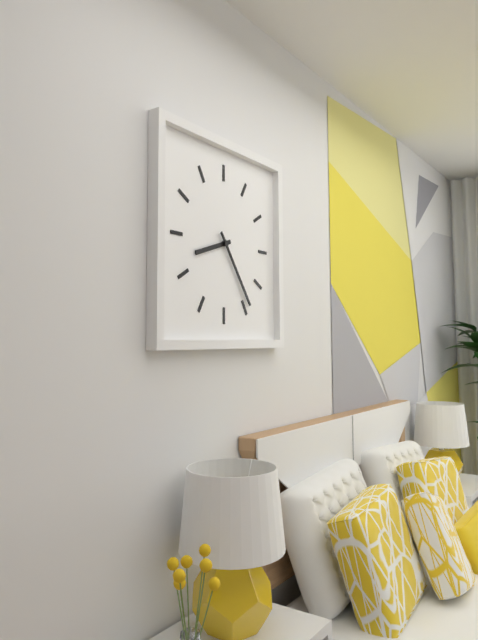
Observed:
8.24
